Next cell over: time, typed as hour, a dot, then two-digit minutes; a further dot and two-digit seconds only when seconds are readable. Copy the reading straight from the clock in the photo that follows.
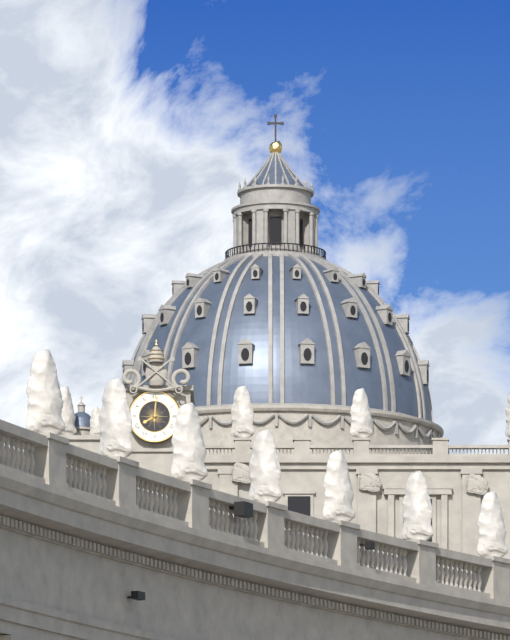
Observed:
8.01
